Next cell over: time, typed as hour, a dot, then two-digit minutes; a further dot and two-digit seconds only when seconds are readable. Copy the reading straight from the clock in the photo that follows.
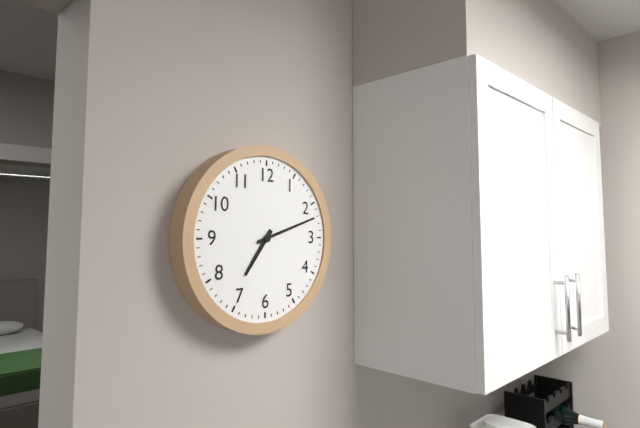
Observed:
7.12
